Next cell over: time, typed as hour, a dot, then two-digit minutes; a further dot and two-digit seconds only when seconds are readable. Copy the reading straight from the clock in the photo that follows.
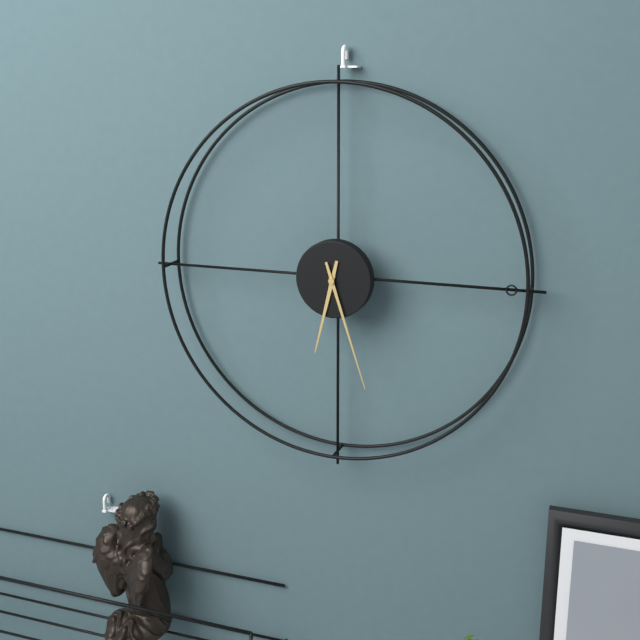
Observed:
6.27
